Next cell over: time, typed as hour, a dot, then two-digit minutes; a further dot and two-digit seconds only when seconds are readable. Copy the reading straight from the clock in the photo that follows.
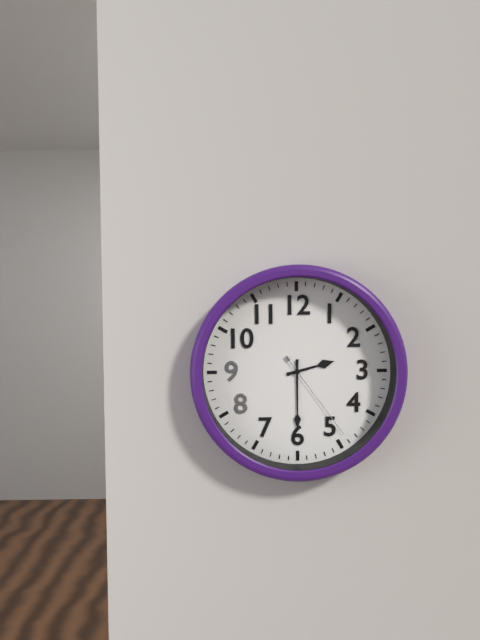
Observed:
2.30.24
